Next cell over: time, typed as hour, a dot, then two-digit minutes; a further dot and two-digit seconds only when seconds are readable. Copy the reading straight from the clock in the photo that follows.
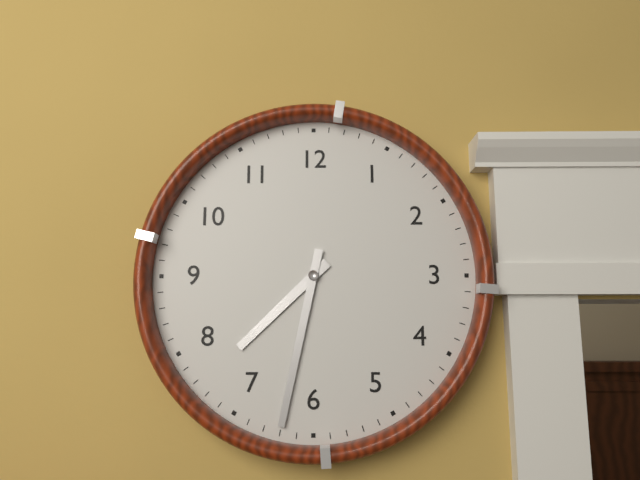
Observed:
7.32
